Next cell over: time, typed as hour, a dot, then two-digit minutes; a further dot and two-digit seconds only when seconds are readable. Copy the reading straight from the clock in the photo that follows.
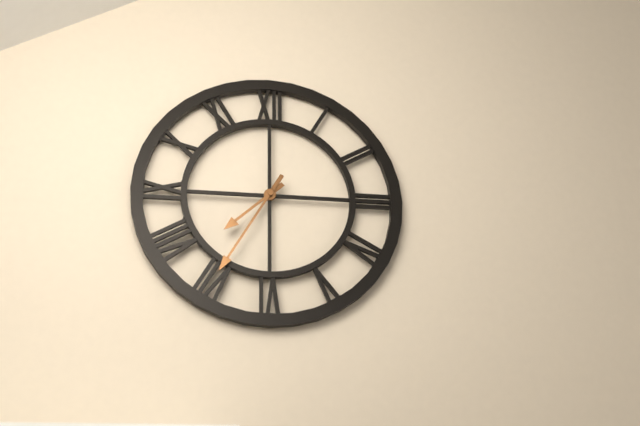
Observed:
7.35
